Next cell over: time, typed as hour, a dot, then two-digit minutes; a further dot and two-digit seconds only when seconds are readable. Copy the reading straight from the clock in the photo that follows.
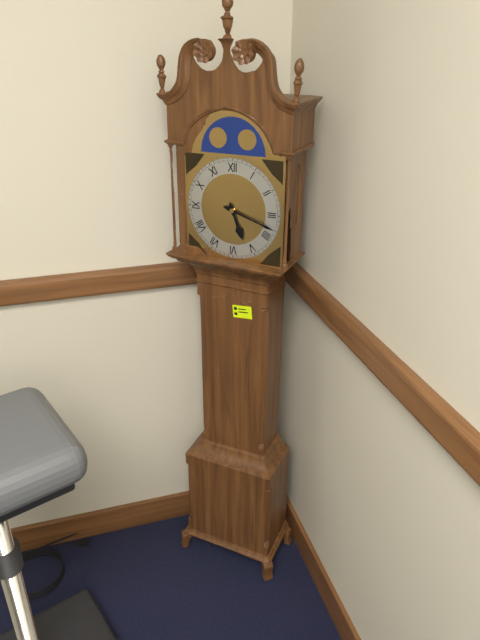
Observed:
5.18
